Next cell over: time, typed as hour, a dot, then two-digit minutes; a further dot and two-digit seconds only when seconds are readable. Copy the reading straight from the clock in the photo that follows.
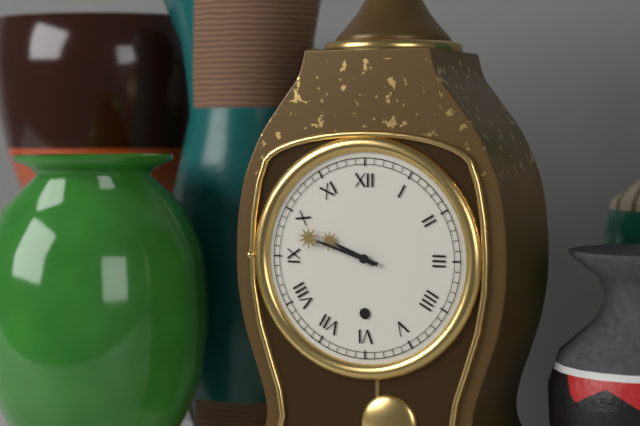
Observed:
9.48
